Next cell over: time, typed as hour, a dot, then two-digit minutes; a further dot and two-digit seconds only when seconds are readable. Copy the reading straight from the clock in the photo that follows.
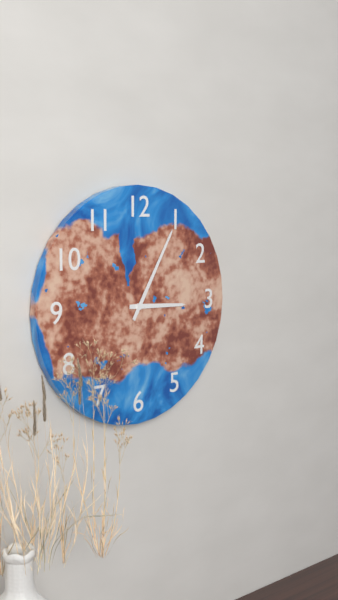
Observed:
3.05
